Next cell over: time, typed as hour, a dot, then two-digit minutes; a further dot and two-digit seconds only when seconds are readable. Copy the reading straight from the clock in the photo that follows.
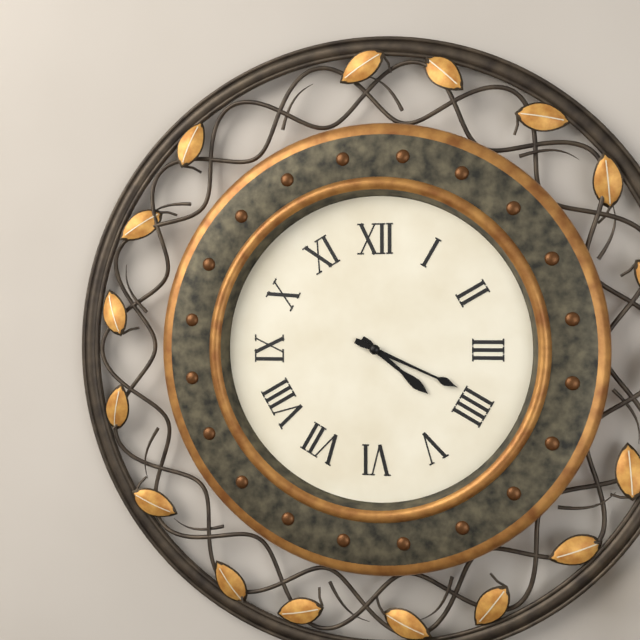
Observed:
4.19
